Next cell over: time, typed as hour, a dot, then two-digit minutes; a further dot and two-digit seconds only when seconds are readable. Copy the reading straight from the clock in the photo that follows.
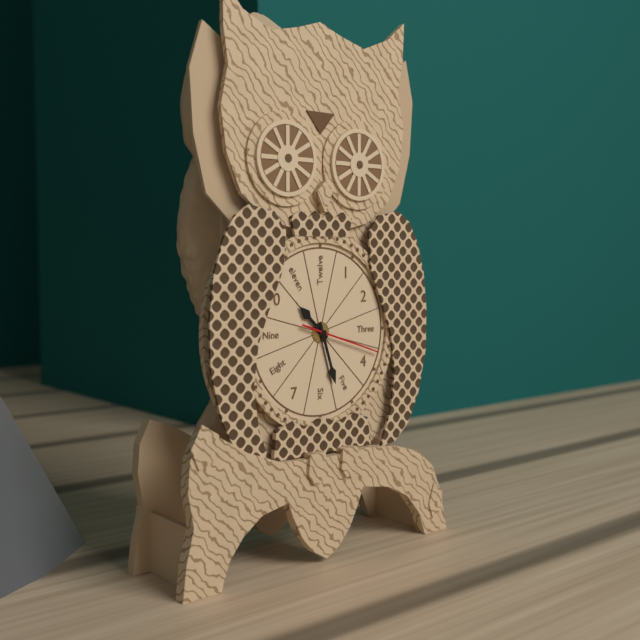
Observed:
10.27.18
